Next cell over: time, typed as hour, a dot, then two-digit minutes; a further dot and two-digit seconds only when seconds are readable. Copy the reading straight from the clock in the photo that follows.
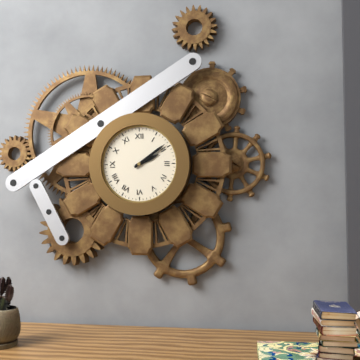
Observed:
2.09
